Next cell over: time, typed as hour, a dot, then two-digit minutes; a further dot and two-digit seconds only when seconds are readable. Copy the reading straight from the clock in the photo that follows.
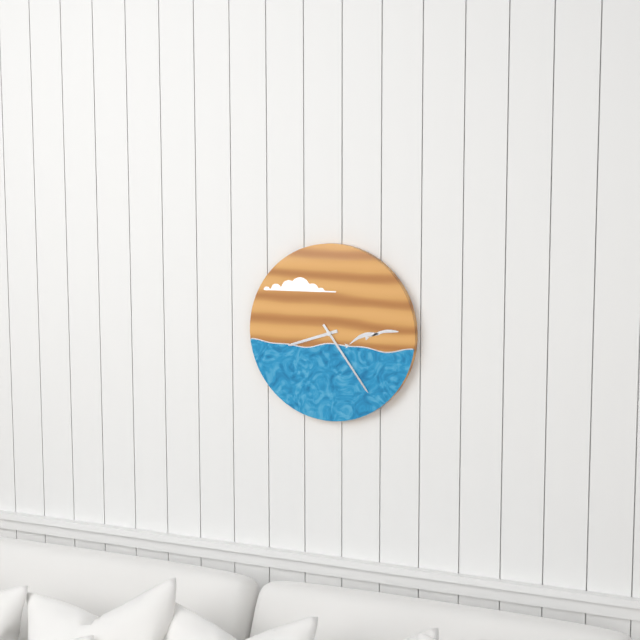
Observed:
8.24
